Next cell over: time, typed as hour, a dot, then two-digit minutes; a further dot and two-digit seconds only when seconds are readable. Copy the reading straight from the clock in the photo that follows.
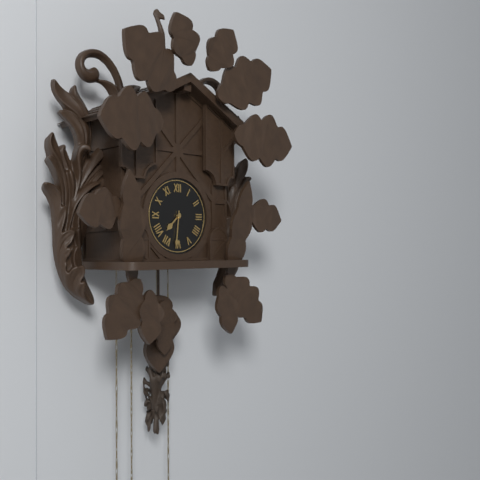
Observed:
7.31
